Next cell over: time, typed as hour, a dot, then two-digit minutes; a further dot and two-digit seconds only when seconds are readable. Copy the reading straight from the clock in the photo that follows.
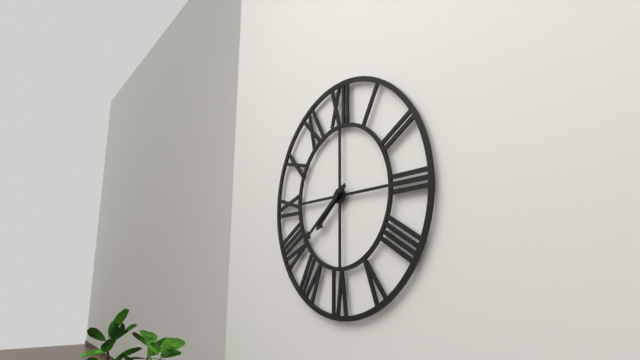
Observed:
7.39
